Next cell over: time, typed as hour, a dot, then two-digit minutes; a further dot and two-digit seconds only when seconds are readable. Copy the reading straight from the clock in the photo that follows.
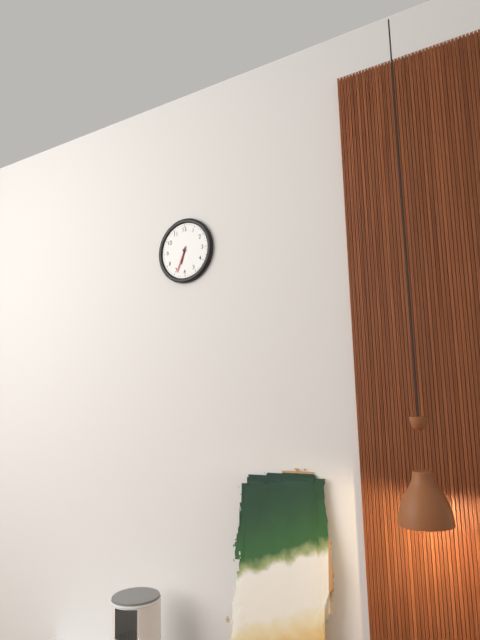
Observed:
6.34
